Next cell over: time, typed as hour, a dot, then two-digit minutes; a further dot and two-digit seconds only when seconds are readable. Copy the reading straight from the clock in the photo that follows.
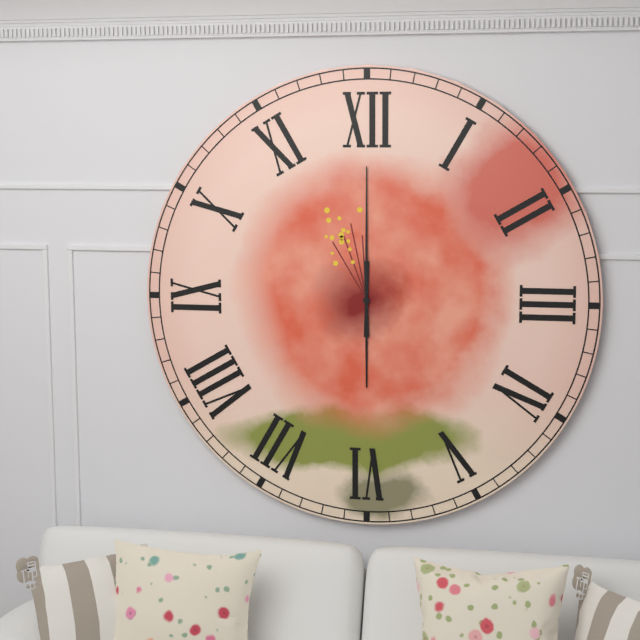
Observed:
6.00
